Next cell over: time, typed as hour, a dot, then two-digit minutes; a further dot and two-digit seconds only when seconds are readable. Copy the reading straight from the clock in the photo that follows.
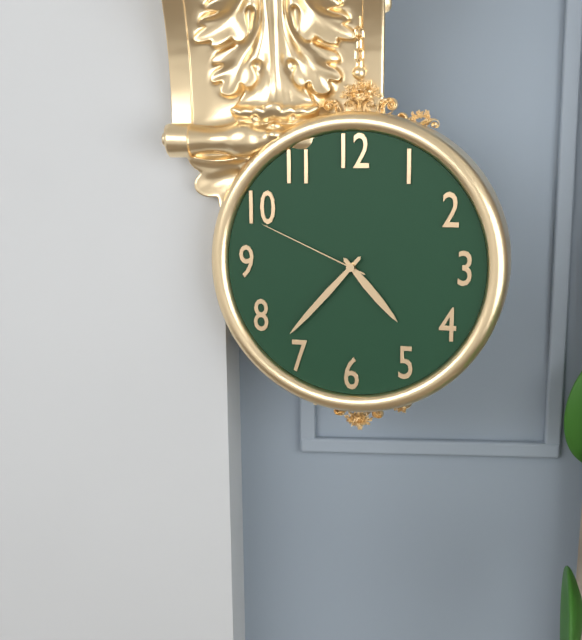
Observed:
4.37.49
